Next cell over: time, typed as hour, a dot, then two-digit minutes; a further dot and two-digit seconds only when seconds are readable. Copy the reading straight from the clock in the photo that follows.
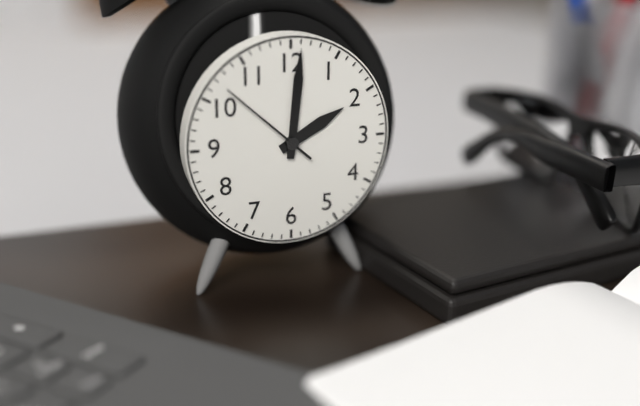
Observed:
2.01.52
